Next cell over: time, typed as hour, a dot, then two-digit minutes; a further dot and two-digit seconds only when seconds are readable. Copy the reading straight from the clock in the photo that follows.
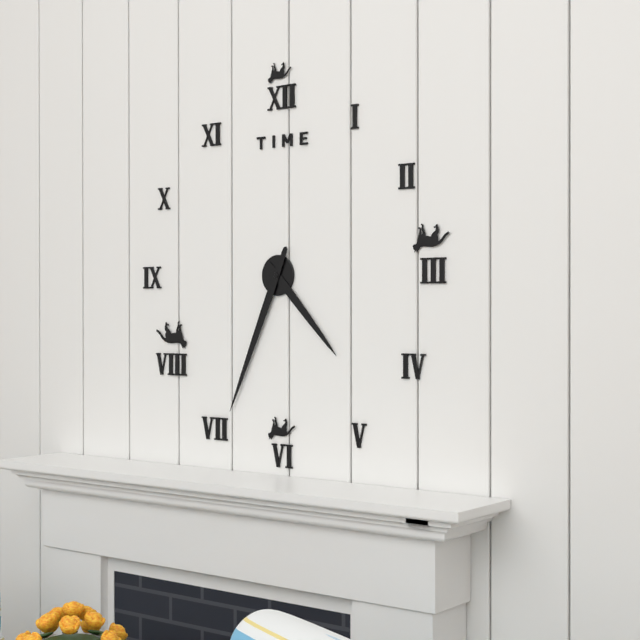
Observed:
4.34
